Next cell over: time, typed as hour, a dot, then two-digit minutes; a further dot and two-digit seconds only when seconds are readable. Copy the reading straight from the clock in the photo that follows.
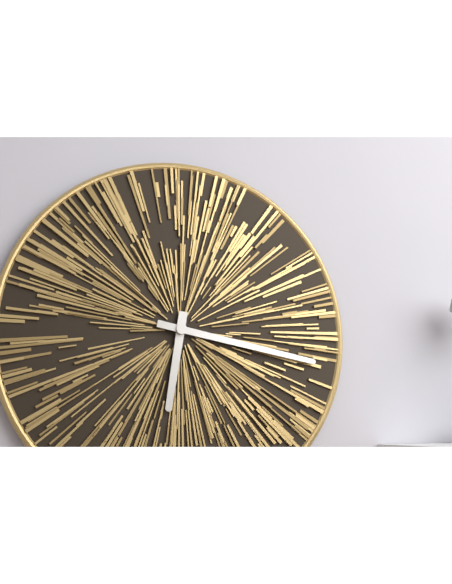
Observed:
6.17
